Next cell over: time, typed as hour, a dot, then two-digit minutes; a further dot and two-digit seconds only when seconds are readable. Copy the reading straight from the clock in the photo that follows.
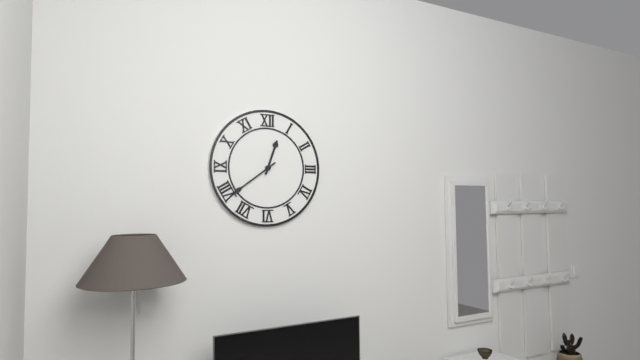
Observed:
12.39
